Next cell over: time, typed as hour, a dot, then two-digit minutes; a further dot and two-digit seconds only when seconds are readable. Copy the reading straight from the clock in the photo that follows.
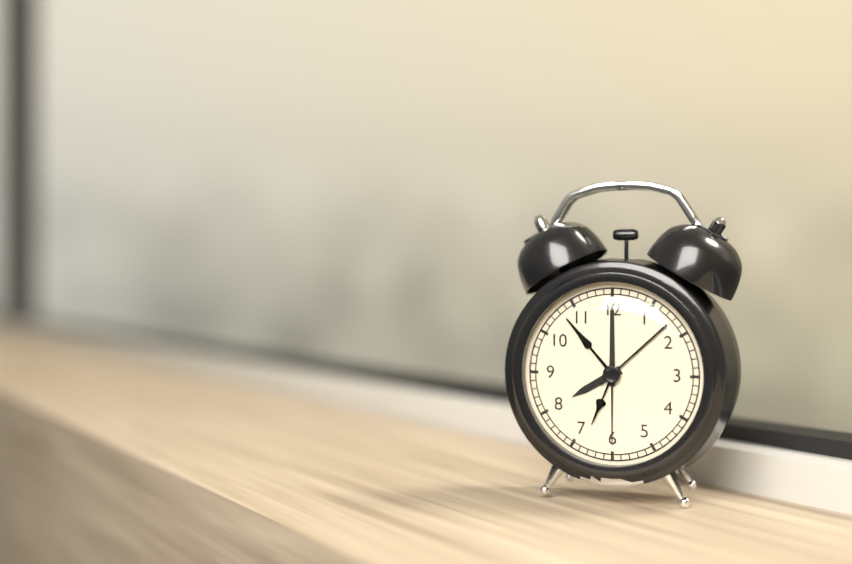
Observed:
8.00.30
